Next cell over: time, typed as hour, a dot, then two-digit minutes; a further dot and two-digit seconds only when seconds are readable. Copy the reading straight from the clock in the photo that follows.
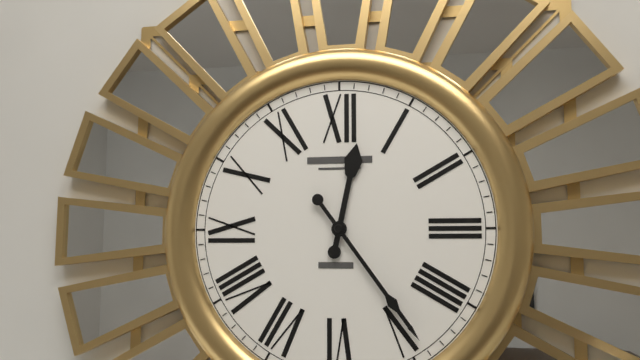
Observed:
12.24
